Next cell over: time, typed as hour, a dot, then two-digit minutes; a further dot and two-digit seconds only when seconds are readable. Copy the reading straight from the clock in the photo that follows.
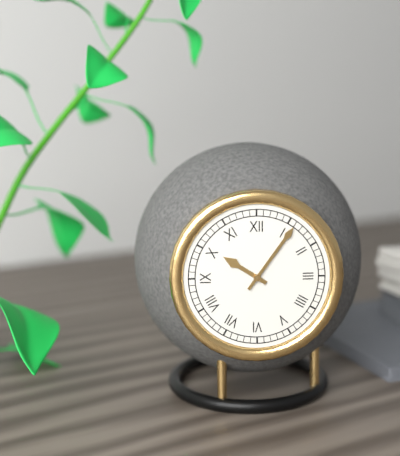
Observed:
10.06
